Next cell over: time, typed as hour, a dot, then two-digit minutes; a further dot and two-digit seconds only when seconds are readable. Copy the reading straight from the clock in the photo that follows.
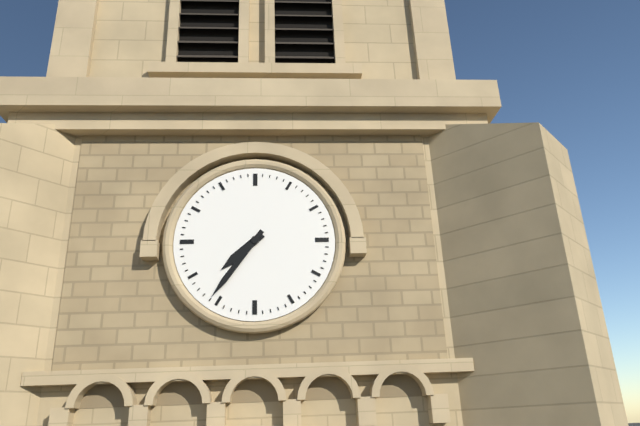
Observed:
7.36
